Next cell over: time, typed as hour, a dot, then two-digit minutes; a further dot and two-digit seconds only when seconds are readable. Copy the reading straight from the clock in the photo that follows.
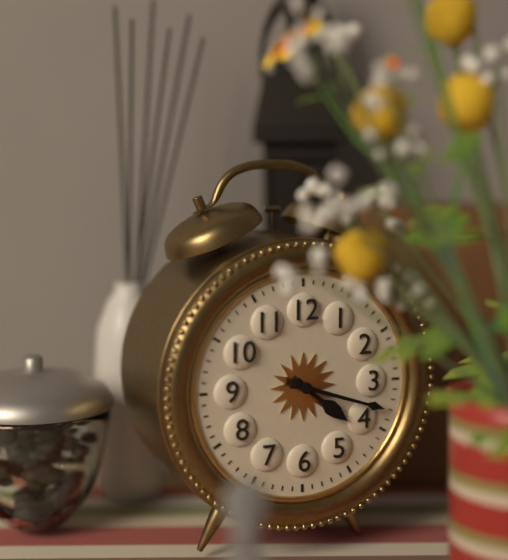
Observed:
4.18
